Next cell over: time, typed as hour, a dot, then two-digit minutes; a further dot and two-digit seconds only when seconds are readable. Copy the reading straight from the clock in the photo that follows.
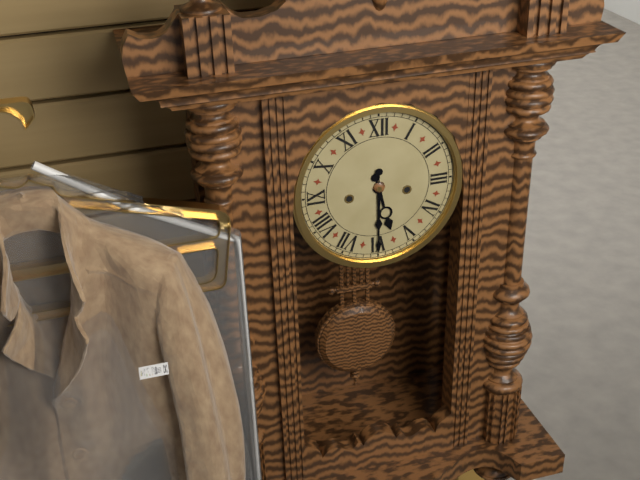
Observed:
5.30
